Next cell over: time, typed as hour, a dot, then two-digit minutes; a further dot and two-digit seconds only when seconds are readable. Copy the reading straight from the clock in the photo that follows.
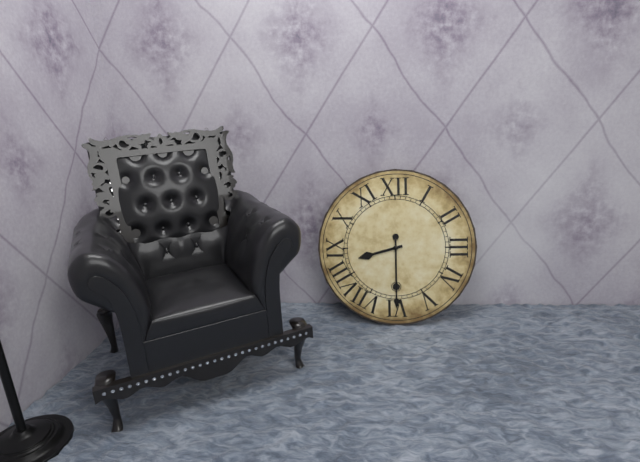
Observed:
8.30
